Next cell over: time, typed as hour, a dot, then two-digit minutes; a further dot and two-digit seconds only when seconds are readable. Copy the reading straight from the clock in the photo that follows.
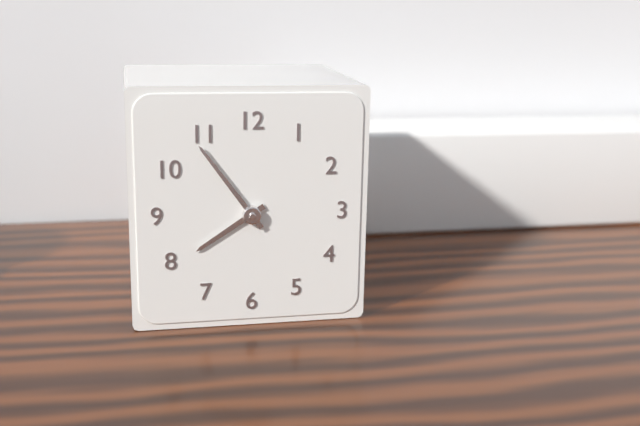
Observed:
7.54
